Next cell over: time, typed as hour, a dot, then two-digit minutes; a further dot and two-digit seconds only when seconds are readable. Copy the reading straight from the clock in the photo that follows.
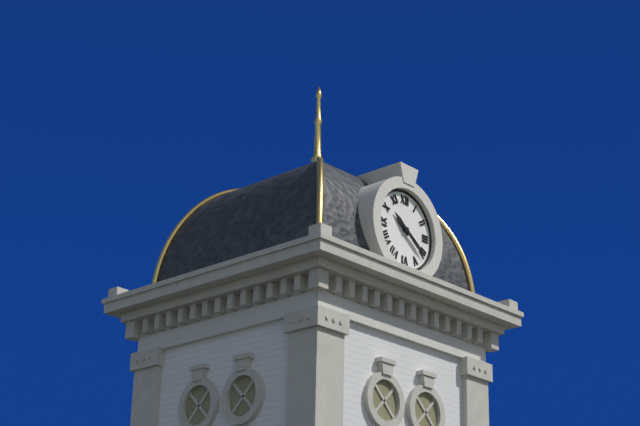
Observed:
10.21
